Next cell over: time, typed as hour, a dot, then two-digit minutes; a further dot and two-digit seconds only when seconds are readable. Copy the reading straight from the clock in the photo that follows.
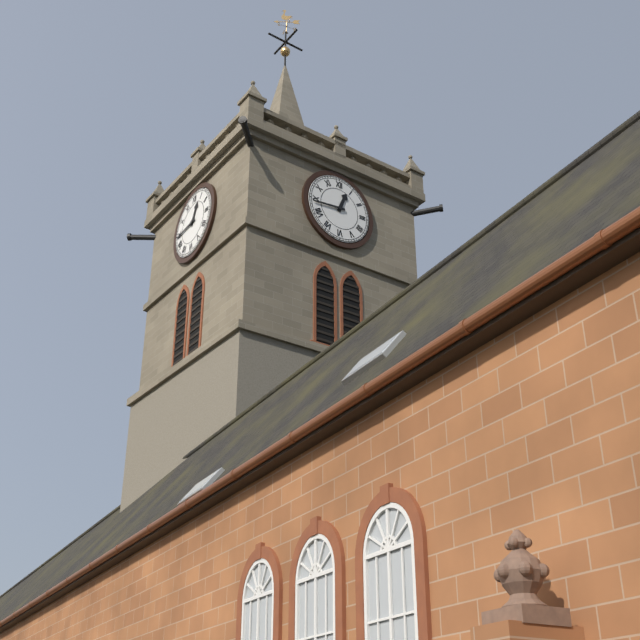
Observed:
12.44
